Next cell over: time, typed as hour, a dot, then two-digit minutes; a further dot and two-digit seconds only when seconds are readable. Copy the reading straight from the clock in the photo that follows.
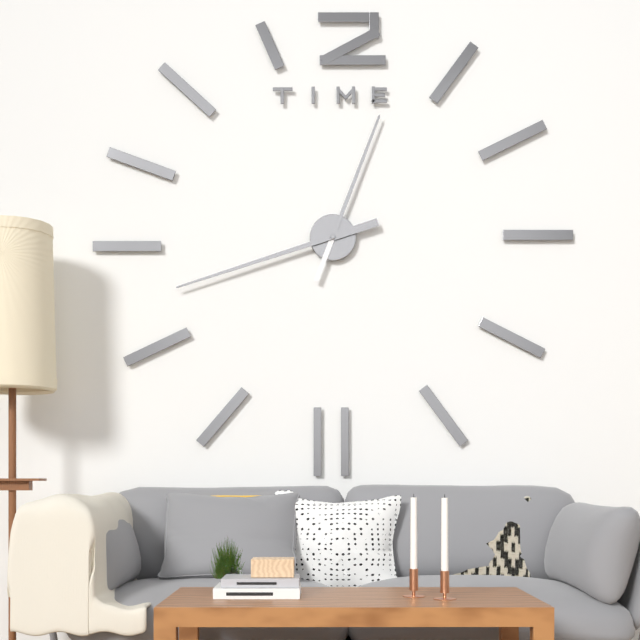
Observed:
12.42
